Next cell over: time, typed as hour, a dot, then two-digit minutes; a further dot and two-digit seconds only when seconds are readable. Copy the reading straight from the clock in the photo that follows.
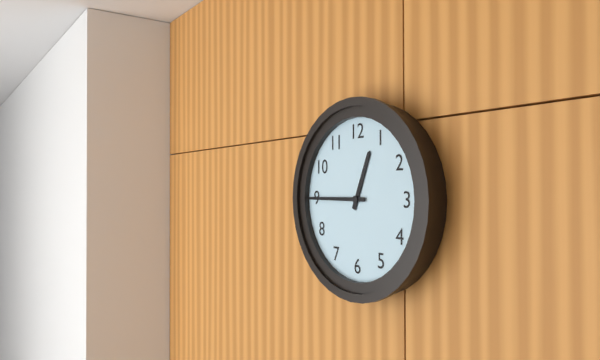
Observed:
12.45
